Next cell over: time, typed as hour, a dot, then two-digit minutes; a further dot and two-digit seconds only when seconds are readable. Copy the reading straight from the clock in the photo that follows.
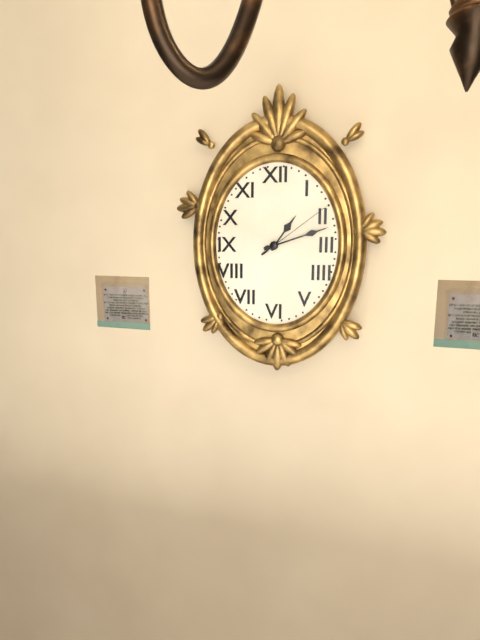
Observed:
1.12.09
